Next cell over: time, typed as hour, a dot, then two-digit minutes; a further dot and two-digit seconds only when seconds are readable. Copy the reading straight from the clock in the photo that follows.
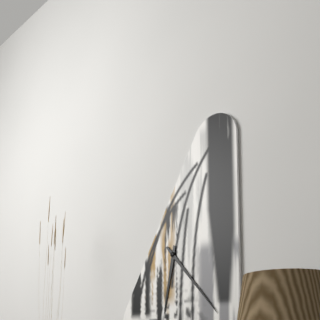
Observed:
6.23
